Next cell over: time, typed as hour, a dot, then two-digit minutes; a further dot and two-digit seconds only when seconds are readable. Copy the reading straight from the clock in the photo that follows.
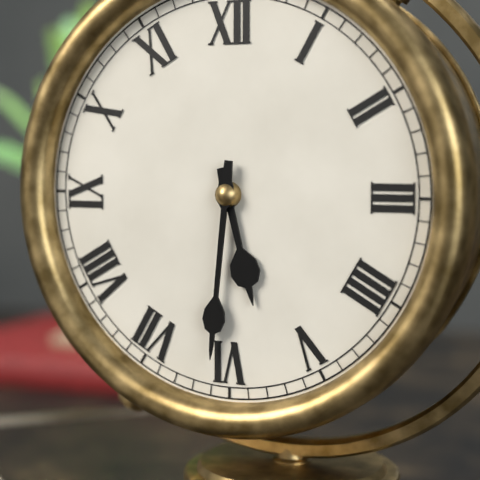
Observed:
5.31
